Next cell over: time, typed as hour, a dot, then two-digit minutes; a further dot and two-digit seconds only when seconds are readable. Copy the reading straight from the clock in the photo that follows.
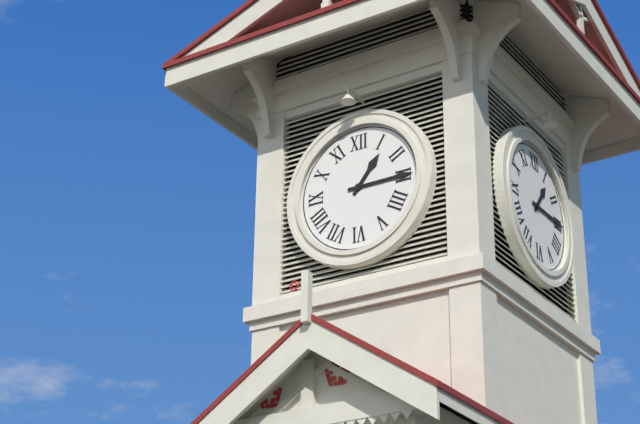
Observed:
1.15
